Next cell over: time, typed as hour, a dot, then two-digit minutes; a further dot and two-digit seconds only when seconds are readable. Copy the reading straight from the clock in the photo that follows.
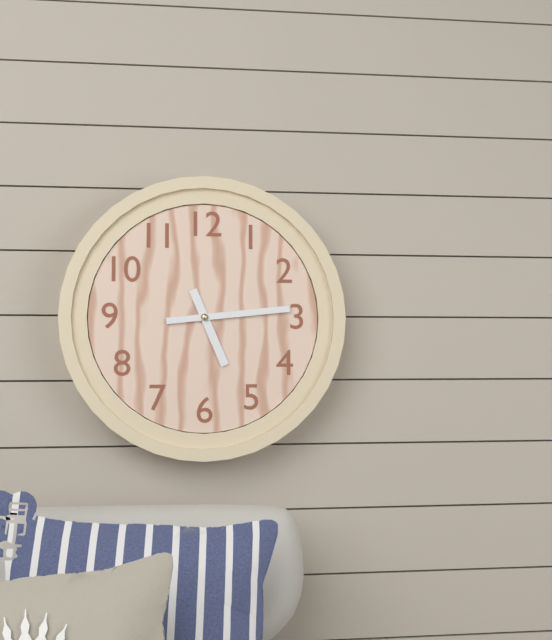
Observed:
5.14
